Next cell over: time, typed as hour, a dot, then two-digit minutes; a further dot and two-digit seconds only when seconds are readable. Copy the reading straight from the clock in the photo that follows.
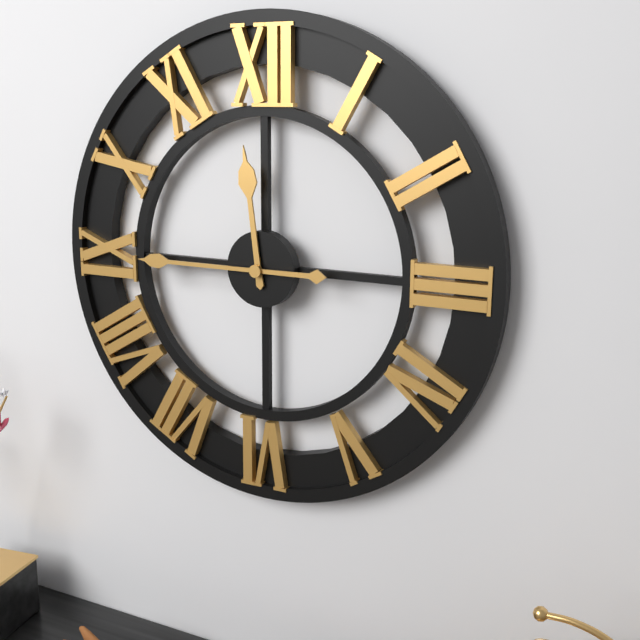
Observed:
11.45
